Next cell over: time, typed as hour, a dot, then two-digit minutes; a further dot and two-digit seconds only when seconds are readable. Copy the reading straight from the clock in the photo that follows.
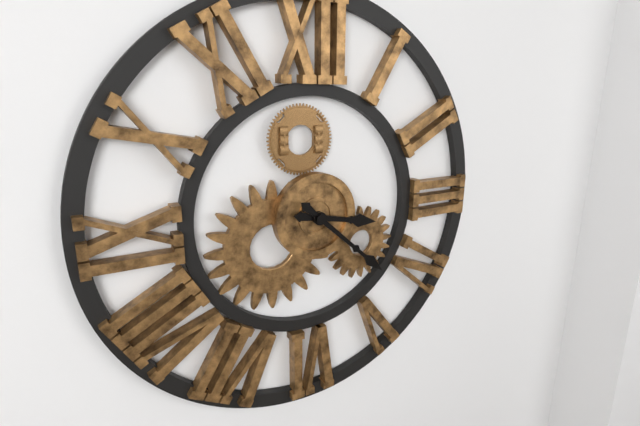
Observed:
3.22
